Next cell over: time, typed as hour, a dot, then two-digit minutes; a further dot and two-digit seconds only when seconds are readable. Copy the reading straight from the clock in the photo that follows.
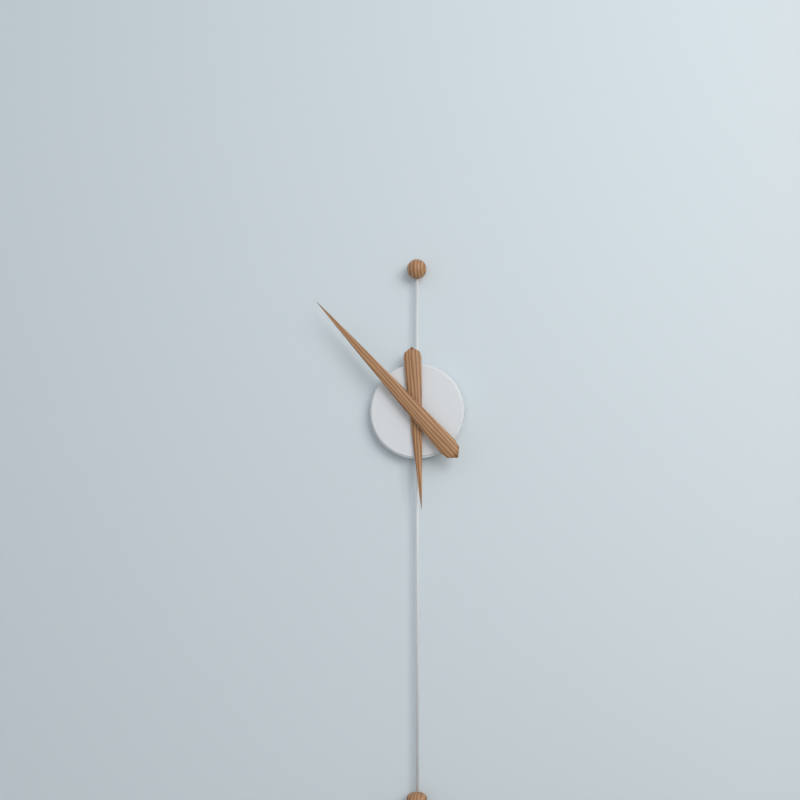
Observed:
5.53
